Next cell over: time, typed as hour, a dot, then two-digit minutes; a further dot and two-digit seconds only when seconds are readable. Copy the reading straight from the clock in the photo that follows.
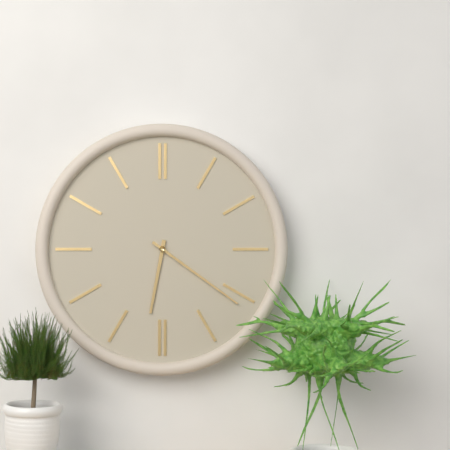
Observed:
6.21
